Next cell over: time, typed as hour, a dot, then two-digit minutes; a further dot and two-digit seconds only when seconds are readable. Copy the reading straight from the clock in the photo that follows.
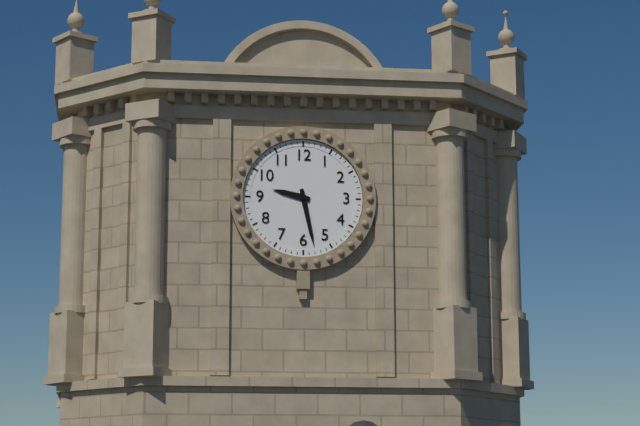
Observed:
9.28
